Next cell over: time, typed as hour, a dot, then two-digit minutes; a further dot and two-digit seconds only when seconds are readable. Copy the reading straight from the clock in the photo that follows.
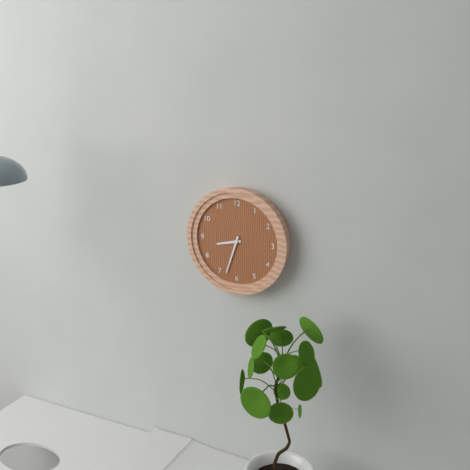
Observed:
8.33
